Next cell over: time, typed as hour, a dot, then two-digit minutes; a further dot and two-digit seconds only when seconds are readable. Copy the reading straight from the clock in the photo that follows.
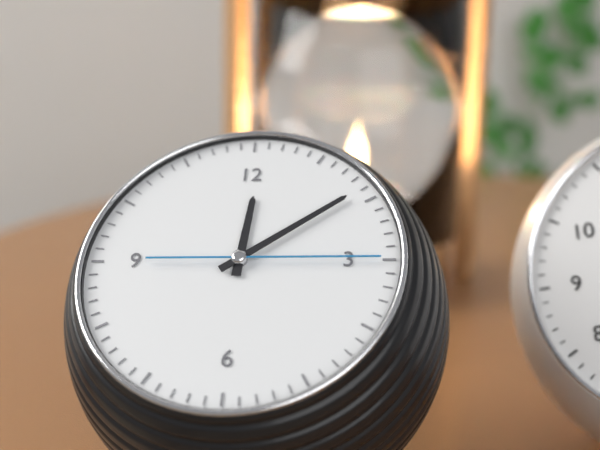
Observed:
12.09.15
